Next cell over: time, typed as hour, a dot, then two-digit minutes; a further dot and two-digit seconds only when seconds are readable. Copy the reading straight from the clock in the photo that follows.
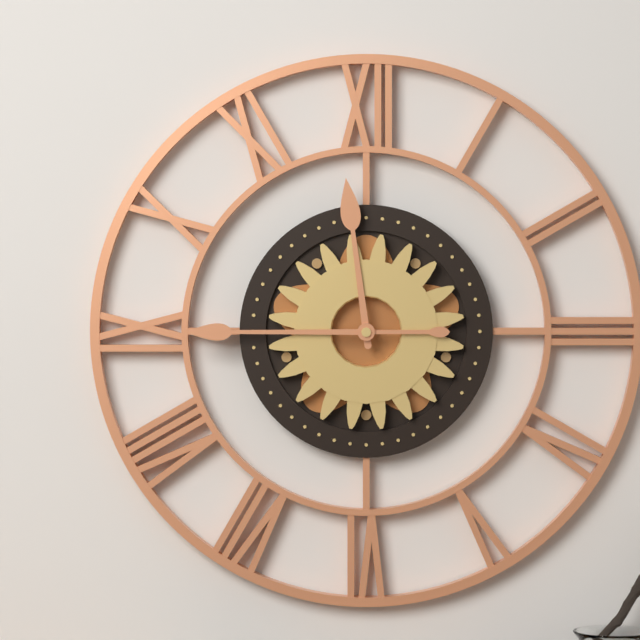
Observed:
11.45
